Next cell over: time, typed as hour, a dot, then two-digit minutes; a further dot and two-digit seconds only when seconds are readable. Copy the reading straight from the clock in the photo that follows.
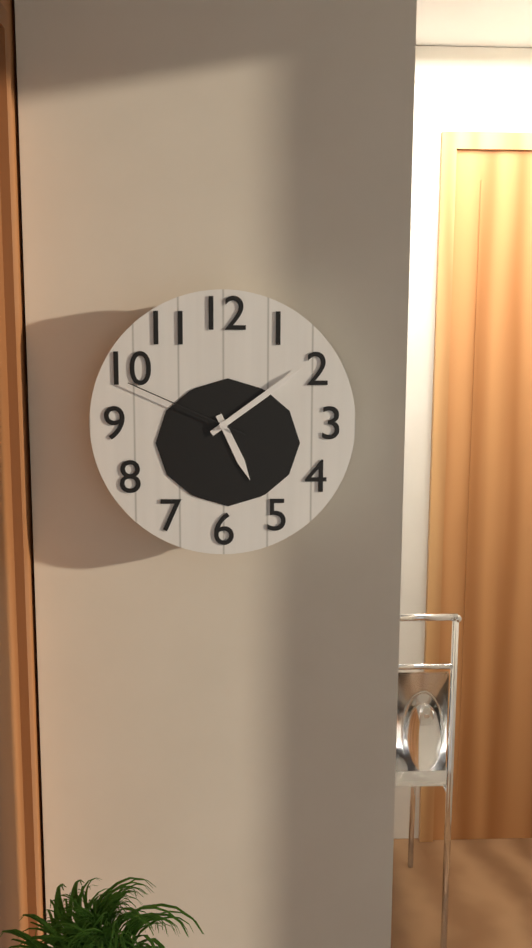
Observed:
5.09.49
